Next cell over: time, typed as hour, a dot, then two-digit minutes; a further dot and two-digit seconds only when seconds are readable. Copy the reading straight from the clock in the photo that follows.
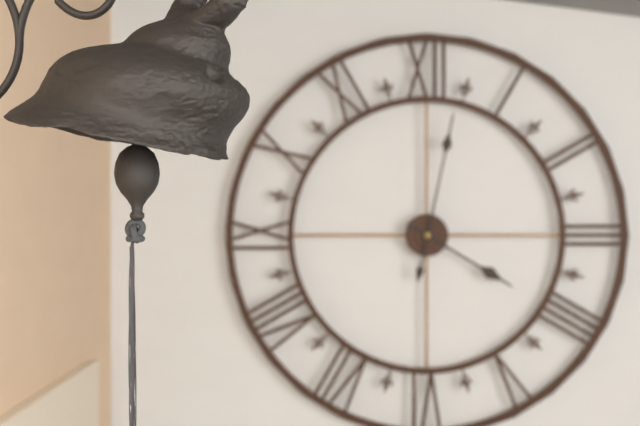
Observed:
4.02
